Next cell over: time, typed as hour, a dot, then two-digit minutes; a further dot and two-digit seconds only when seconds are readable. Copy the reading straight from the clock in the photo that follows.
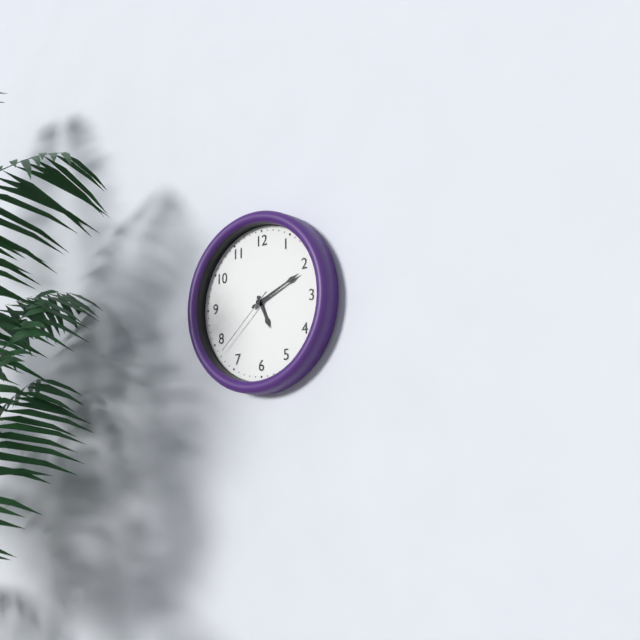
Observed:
5.11.38
